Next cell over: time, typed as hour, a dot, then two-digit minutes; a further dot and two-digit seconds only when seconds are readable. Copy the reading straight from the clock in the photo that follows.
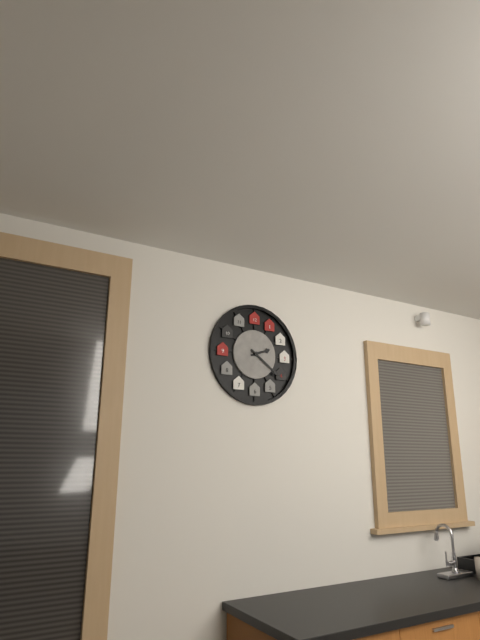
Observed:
2.21
